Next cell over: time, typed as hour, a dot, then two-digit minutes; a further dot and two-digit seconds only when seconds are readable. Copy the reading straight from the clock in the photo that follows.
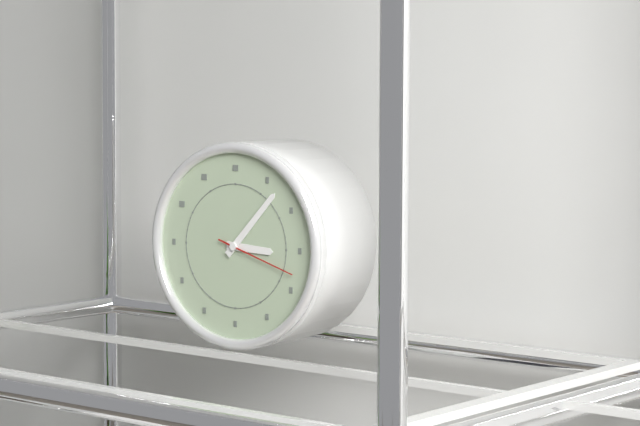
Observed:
3.07.18
